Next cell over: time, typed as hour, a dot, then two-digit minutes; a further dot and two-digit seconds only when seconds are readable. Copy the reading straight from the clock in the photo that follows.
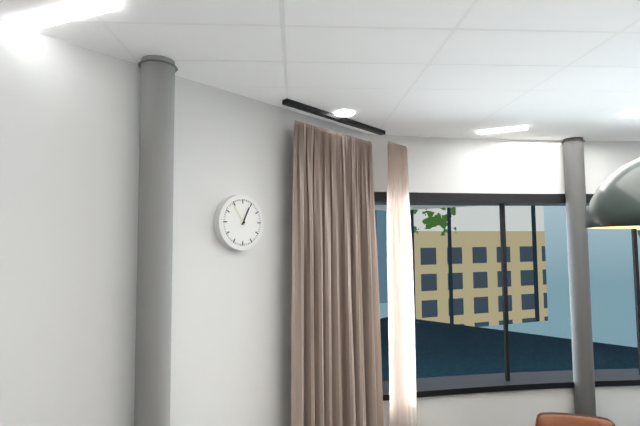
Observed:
12.54
